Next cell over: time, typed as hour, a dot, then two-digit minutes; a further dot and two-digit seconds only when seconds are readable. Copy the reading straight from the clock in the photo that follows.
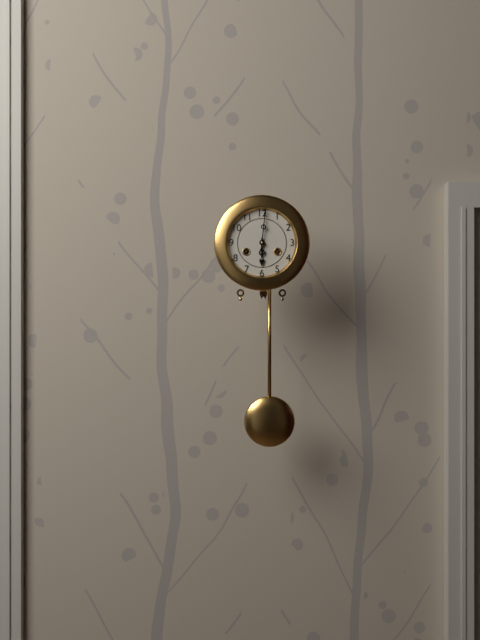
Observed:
6.01
